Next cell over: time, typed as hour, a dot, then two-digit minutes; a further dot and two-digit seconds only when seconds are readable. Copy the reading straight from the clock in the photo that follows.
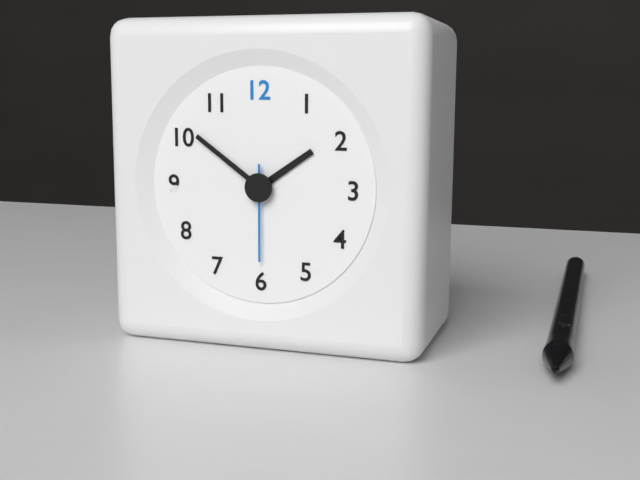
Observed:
1.51.30
